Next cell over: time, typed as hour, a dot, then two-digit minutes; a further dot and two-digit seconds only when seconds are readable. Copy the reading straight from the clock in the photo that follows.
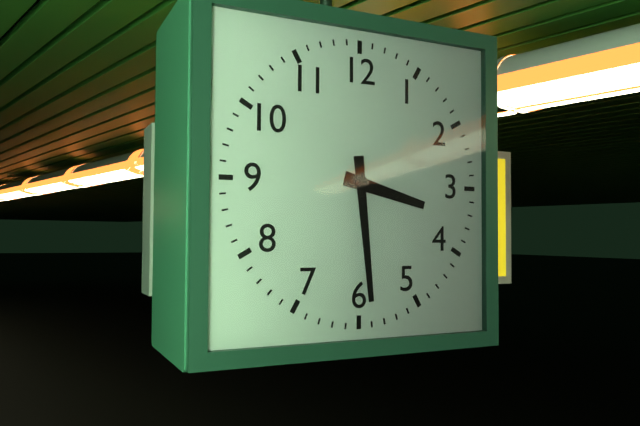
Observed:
3.29
